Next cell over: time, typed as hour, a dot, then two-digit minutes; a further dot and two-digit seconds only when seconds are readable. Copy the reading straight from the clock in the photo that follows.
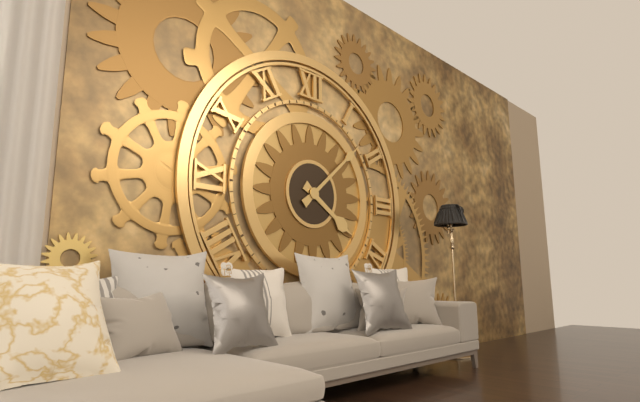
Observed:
4.08
